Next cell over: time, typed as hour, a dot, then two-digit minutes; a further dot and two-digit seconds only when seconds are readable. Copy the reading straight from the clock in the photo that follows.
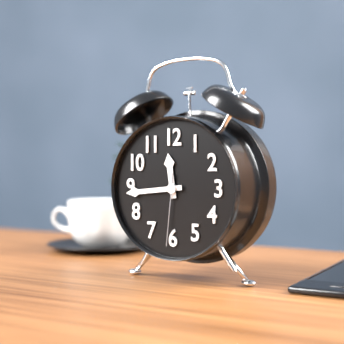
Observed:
11.44.31
